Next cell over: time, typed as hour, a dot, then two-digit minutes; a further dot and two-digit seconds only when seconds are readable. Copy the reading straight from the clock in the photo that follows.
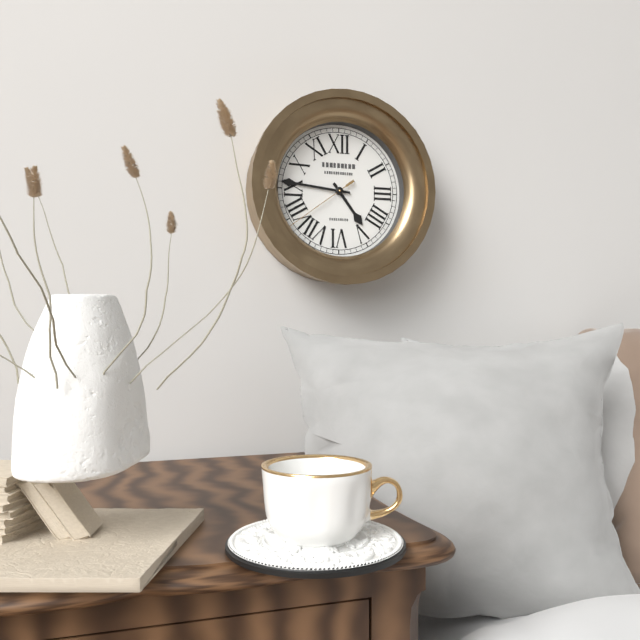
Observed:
4.46.39
